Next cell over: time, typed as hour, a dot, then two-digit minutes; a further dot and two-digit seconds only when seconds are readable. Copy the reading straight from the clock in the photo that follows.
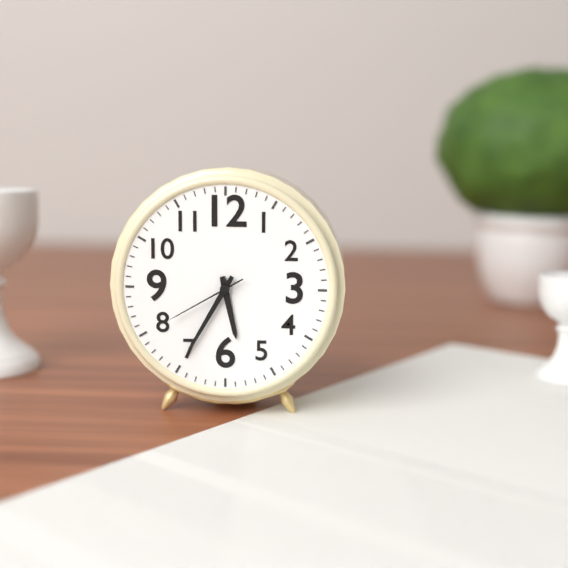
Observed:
5.35.40
